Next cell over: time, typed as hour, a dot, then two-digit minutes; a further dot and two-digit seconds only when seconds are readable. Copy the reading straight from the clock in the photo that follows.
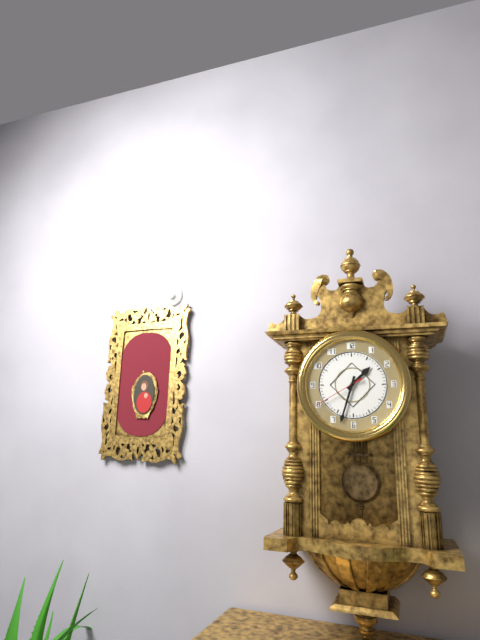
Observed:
1.33.40
